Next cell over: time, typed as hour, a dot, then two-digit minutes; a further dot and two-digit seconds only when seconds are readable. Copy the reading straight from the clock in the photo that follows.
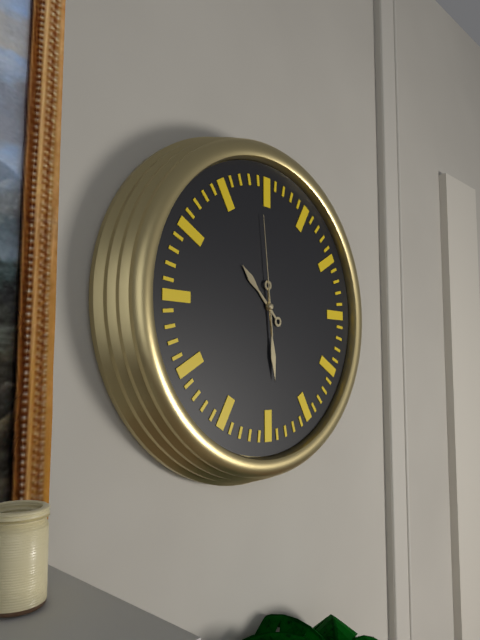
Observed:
10.29.59
